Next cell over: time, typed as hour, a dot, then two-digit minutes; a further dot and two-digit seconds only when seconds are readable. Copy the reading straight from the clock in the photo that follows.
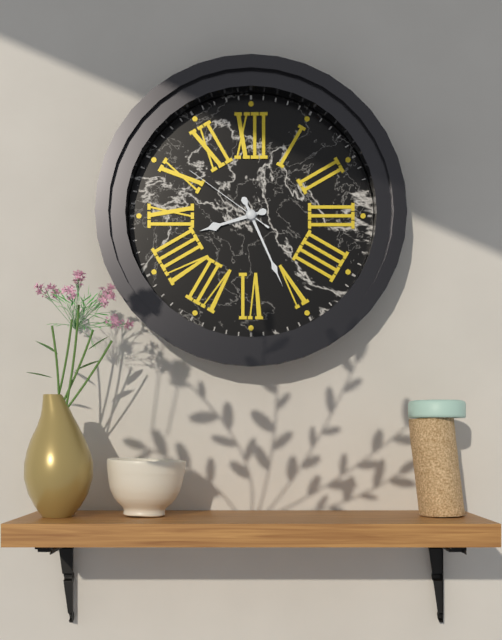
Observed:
8.26.51
